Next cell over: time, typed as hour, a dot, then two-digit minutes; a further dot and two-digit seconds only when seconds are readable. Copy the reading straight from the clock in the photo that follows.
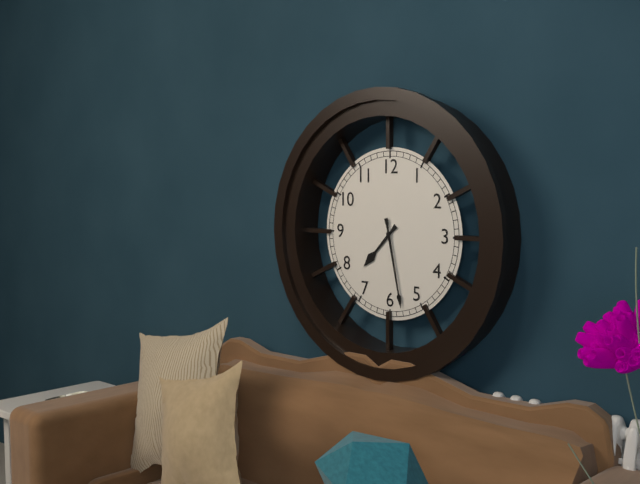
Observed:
7.28
